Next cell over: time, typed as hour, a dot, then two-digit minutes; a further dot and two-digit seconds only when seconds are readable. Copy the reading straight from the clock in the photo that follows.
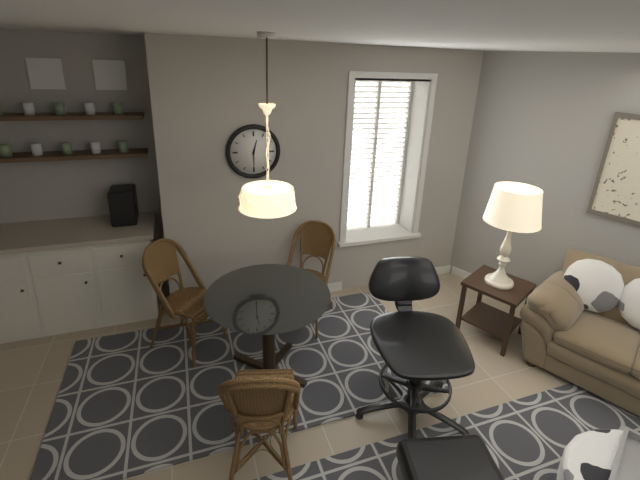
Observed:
12.30
